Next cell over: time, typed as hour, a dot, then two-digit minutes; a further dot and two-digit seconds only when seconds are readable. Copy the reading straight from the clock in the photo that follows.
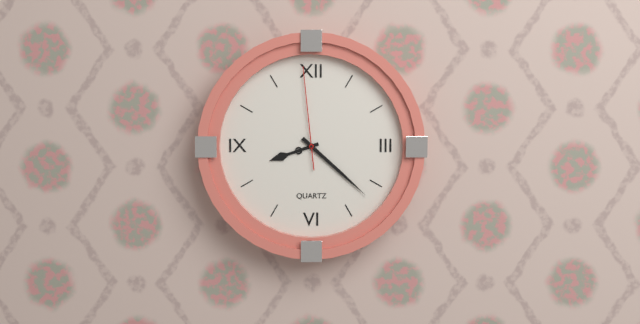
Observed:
8.22.59
